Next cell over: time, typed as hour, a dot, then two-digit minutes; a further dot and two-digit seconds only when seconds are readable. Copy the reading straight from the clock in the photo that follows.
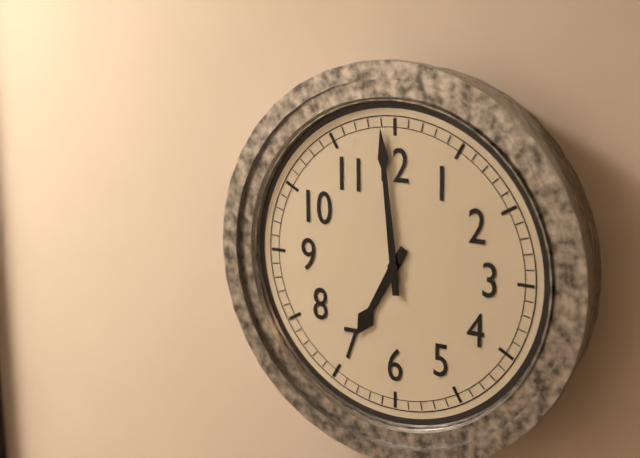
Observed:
6.59
